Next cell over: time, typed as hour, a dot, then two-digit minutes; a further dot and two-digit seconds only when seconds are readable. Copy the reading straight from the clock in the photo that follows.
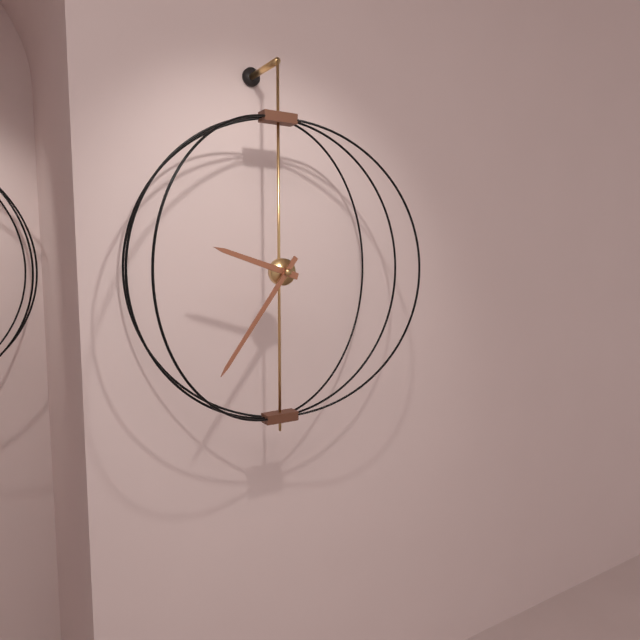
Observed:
9.36
